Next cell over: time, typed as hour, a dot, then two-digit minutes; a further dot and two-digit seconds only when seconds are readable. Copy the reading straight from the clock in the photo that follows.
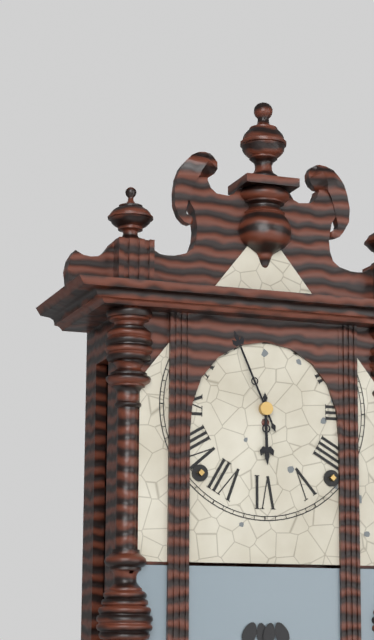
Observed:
5.56
